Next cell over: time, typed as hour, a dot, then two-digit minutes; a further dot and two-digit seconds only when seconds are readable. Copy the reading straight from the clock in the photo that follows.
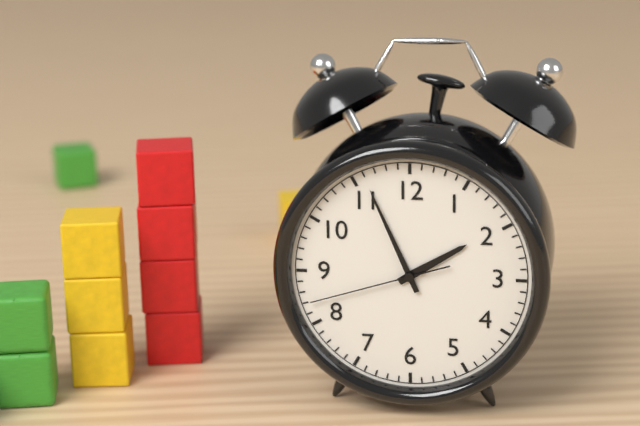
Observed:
1.56.42
